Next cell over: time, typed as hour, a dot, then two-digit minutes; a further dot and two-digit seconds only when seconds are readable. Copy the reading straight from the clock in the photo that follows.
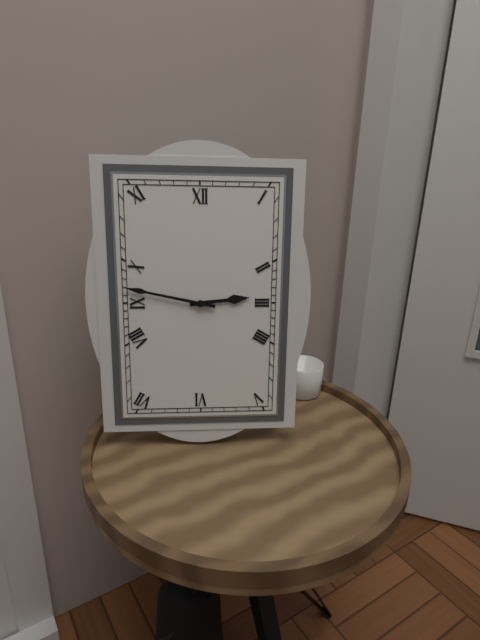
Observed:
2.47
